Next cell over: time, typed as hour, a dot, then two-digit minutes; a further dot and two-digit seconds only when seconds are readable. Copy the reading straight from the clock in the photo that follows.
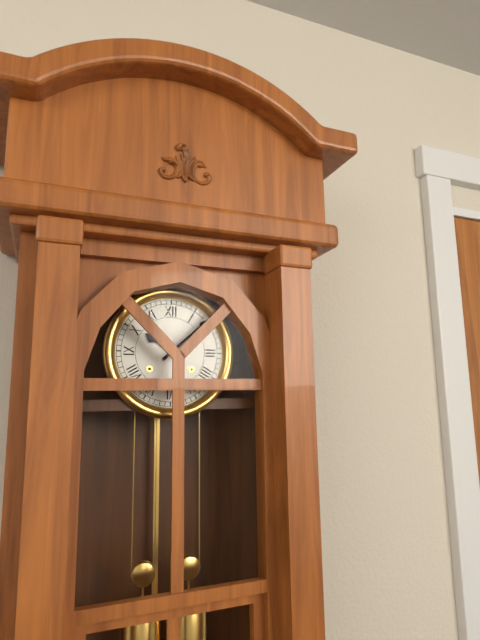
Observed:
10.08
